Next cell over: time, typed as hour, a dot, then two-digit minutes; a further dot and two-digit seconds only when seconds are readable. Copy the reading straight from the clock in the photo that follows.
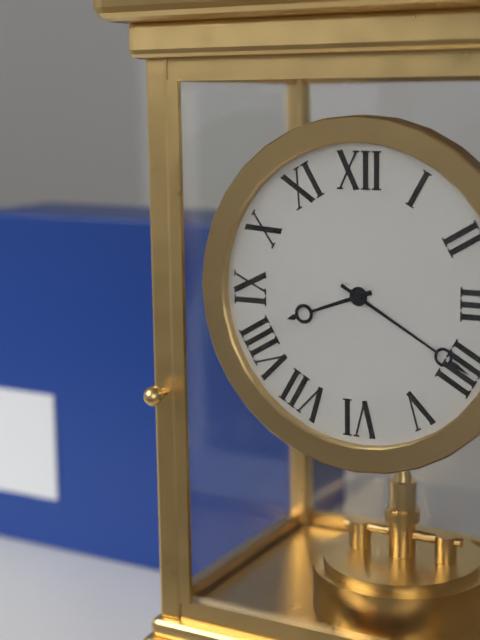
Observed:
8.20
